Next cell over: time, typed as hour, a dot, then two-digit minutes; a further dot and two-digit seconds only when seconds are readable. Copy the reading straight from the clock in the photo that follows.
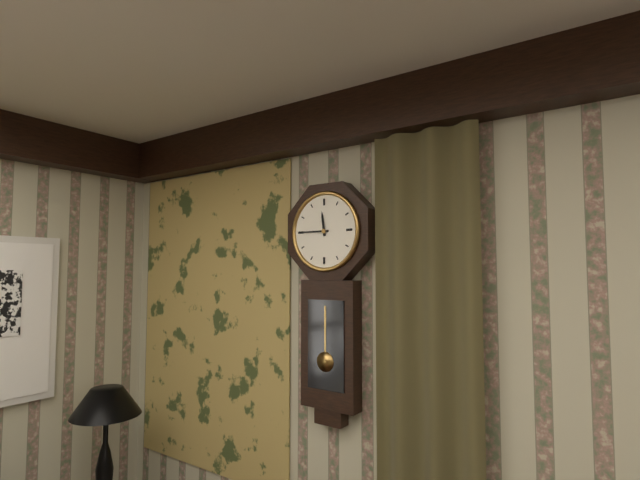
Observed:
11.45
